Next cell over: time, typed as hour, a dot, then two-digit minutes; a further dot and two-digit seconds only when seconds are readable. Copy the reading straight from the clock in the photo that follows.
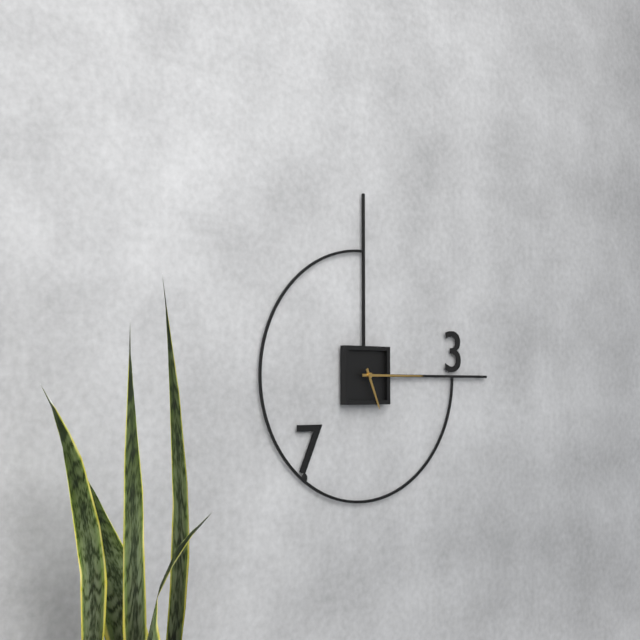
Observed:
5.15
